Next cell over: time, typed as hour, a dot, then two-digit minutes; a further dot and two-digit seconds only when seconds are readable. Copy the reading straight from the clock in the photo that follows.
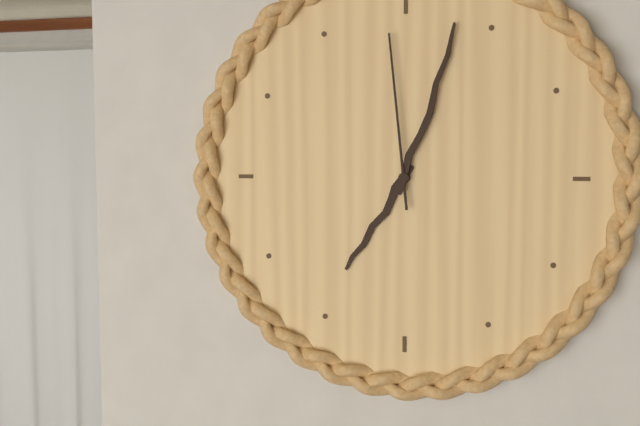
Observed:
7.03.59
